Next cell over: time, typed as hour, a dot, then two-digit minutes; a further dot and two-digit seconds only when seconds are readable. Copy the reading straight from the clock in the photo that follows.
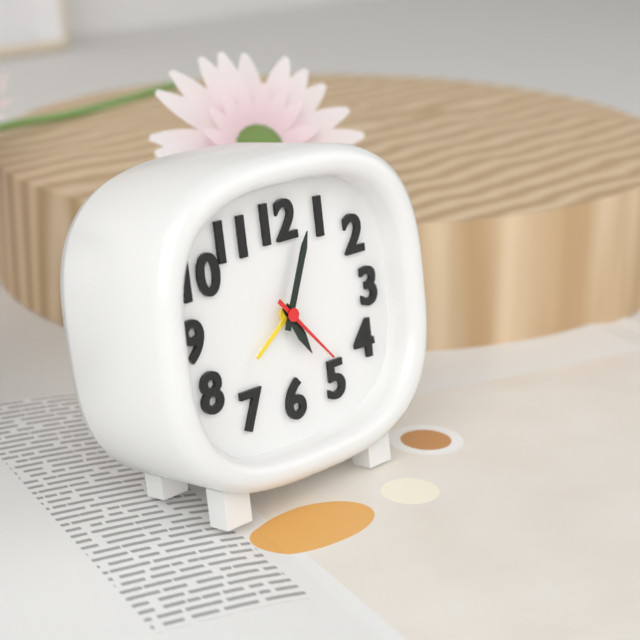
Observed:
5.04.23
